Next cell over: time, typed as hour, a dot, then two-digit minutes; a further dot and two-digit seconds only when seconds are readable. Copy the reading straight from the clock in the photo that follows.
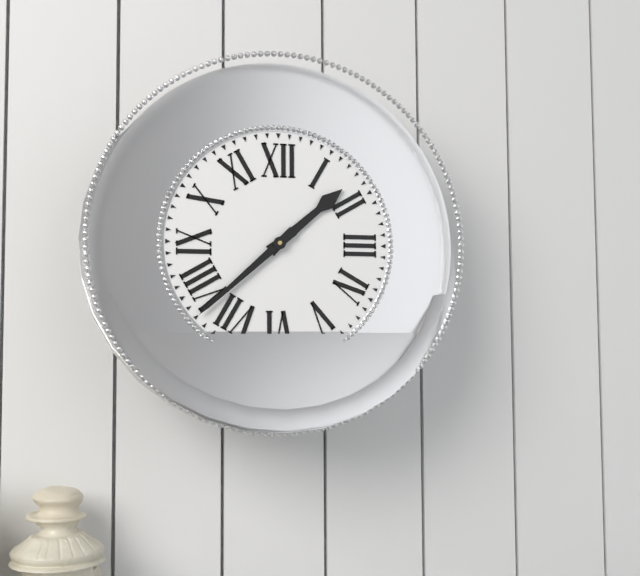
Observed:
1.38
